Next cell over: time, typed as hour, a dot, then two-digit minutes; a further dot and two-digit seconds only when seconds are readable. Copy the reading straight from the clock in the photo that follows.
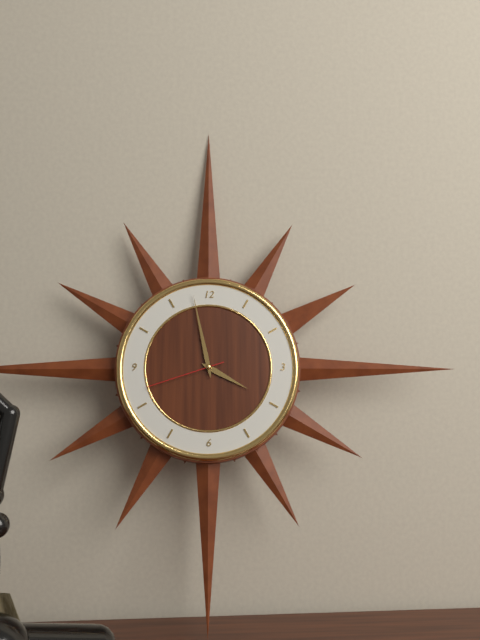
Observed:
3.58.42
